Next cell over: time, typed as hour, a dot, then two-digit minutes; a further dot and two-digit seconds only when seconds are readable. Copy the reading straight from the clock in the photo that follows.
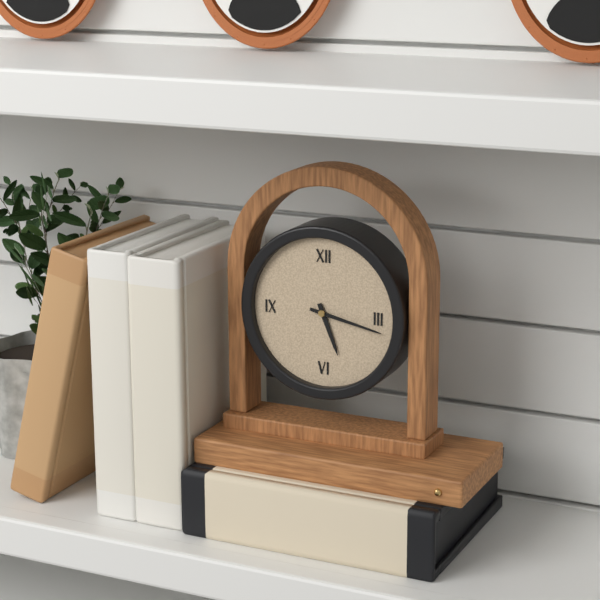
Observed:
5.17
